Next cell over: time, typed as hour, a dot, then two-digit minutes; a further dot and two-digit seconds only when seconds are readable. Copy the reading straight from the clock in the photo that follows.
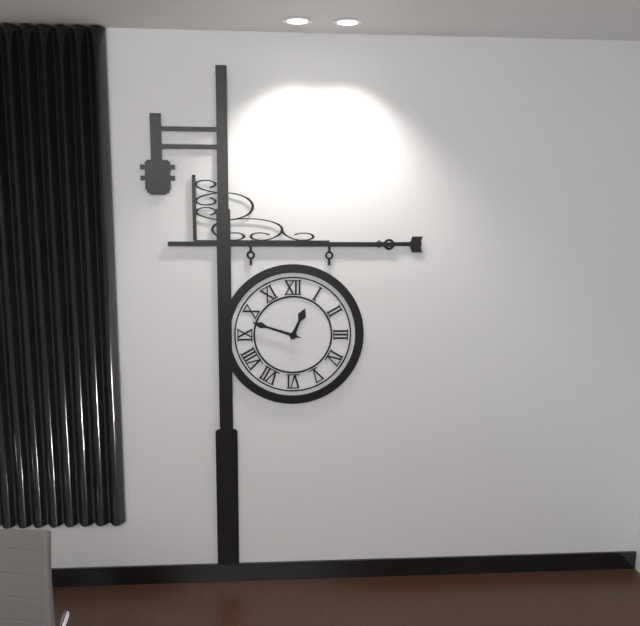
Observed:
12.48
